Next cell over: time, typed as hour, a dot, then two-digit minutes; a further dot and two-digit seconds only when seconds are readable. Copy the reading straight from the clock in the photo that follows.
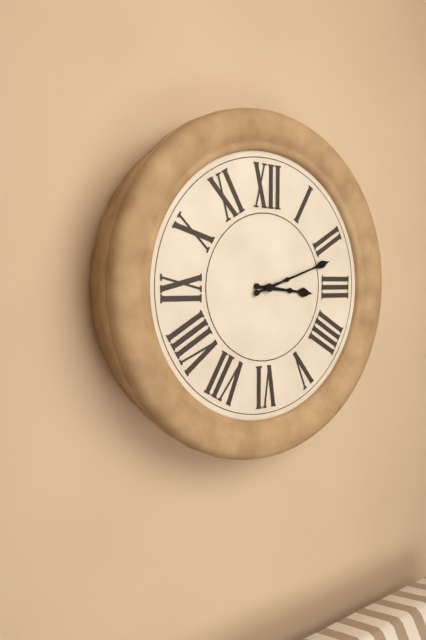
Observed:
3.12
